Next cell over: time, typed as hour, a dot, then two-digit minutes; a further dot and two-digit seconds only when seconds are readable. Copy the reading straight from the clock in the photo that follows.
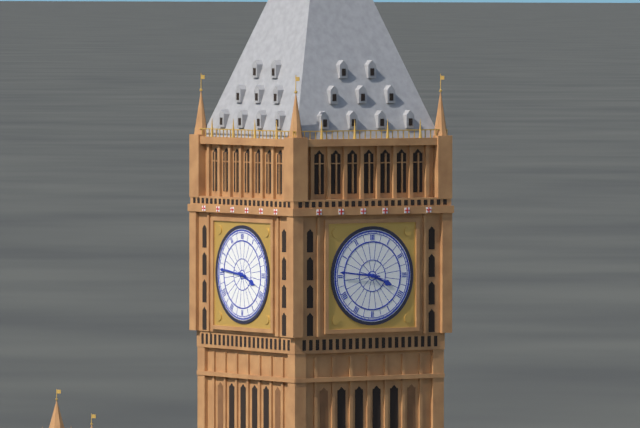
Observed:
3.46
